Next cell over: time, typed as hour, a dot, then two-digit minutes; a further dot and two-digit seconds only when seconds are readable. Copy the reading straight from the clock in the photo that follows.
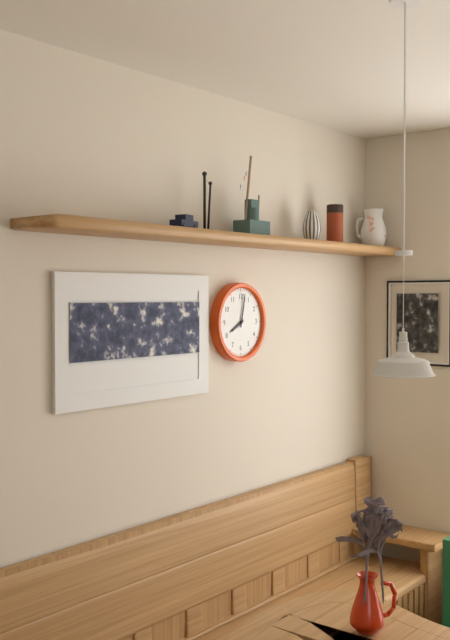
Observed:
8.02
